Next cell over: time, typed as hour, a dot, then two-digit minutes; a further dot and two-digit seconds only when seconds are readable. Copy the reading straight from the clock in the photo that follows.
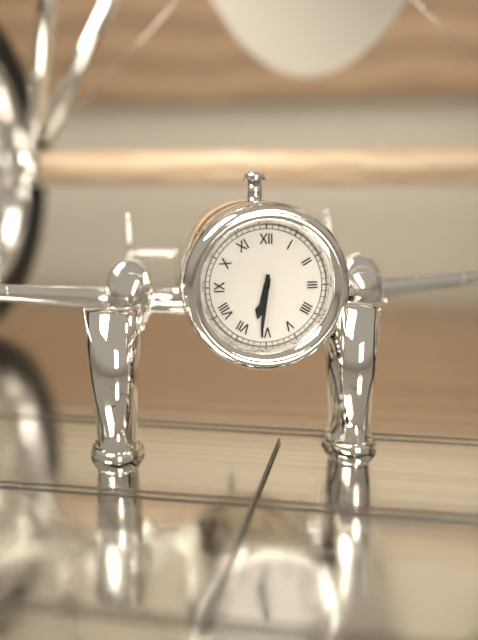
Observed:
6.31
